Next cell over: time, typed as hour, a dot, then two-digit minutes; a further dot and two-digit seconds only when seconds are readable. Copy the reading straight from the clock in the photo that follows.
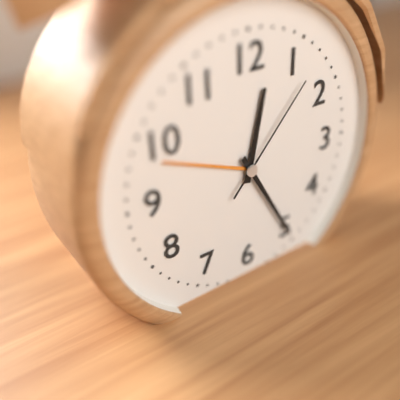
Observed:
12.25.07
